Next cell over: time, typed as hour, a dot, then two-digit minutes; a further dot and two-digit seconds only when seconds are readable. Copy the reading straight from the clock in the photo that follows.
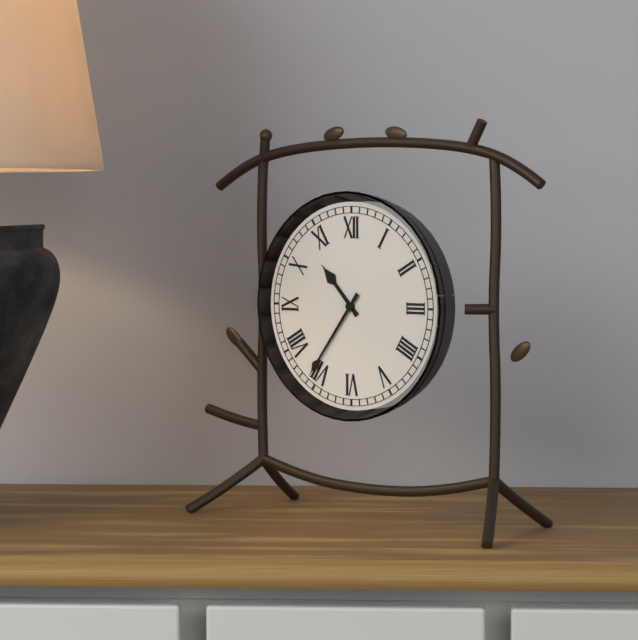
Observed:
10.36
